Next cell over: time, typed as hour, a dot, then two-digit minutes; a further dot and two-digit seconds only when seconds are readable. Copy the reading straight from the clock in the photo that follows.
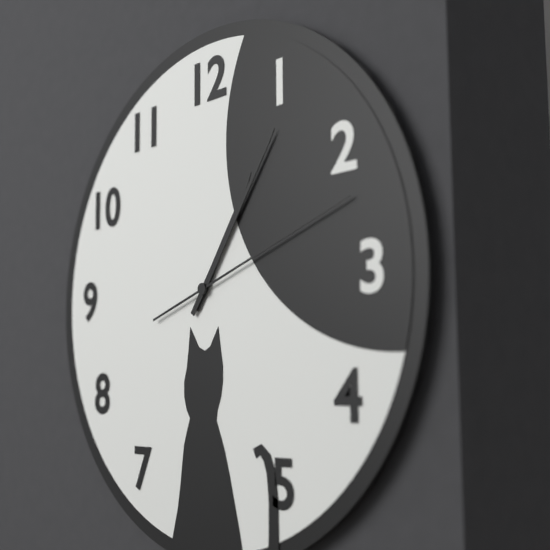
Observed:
1.06.12
